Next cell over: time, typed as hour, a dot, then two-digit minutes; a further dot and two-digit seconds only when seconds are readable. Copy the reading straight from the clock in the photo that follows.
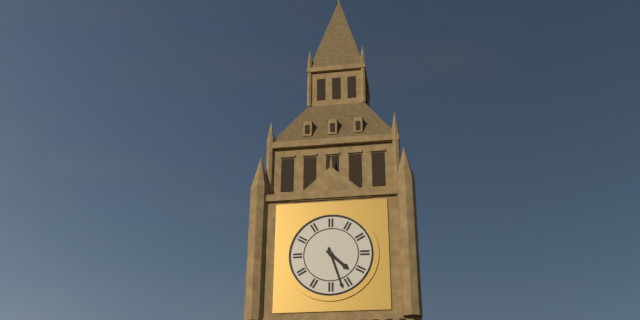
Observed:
4.27
